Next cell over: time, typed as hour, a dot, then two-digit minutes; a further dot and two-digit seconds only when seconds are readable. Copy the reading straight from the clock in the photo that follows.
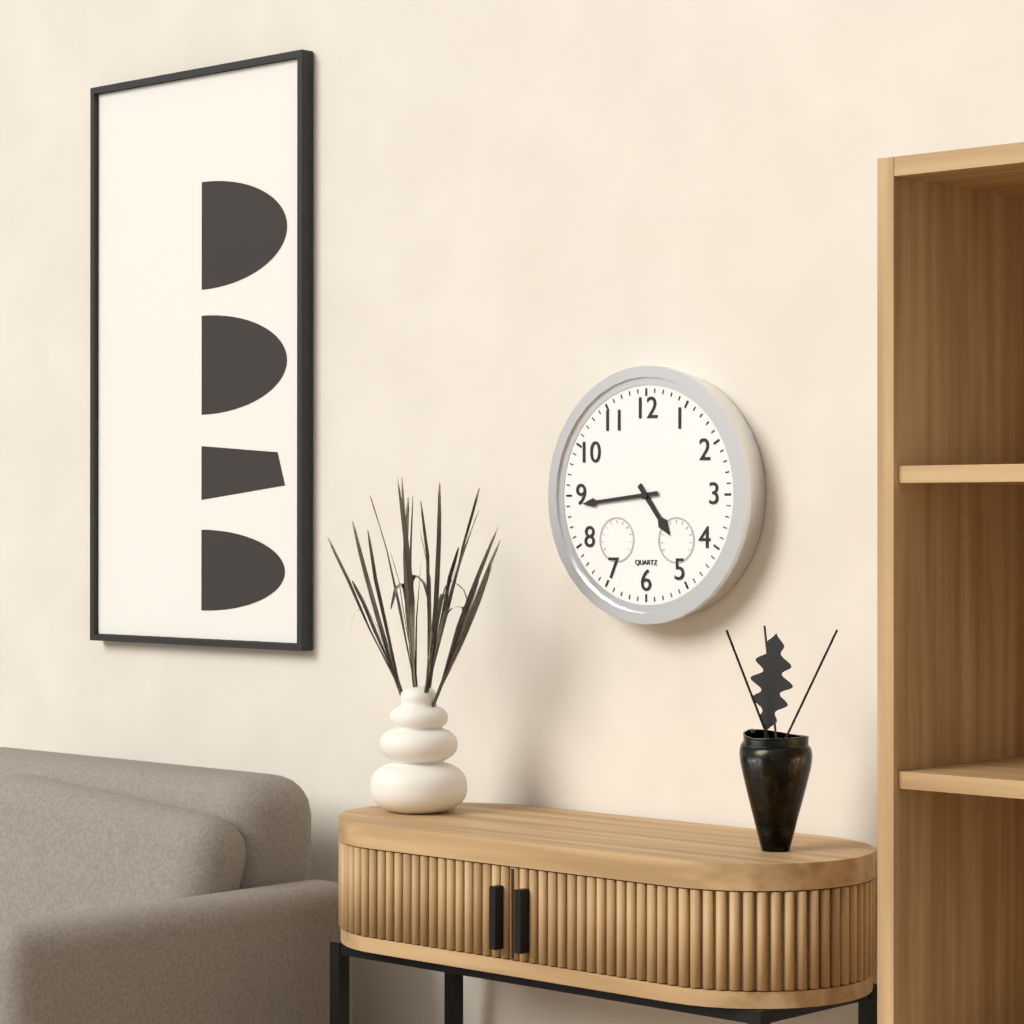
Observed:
4.44
